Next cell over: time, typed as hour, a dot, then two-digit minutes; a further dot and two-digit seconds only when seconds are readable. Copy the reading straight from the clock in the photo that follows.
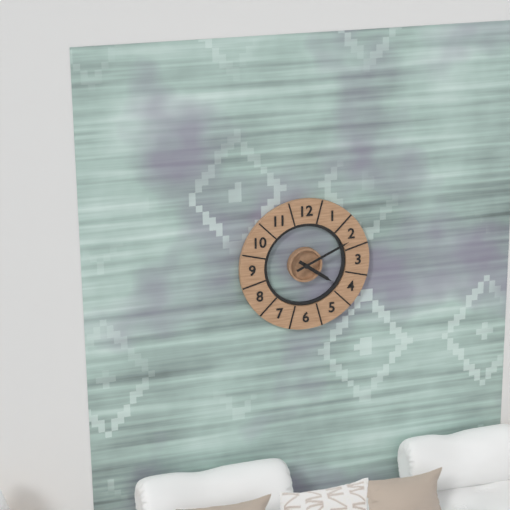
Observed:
4.11
